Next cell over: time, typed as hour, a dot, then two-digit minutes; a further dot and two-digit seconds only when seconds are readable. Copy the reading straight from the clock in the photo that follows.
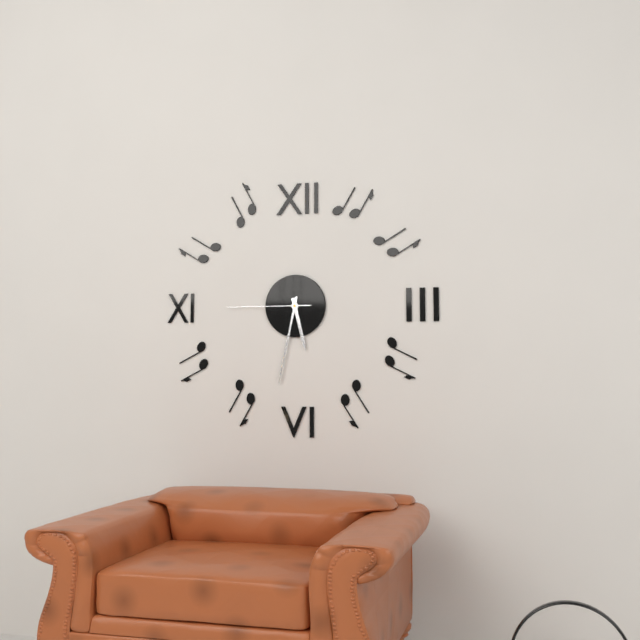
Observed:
5.32.45
